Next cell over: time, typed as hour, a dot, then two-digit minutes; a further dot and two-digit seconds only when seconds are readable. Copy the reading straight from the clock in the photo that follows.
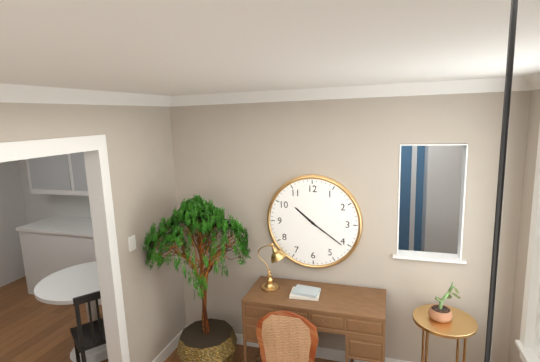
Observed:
10.21
